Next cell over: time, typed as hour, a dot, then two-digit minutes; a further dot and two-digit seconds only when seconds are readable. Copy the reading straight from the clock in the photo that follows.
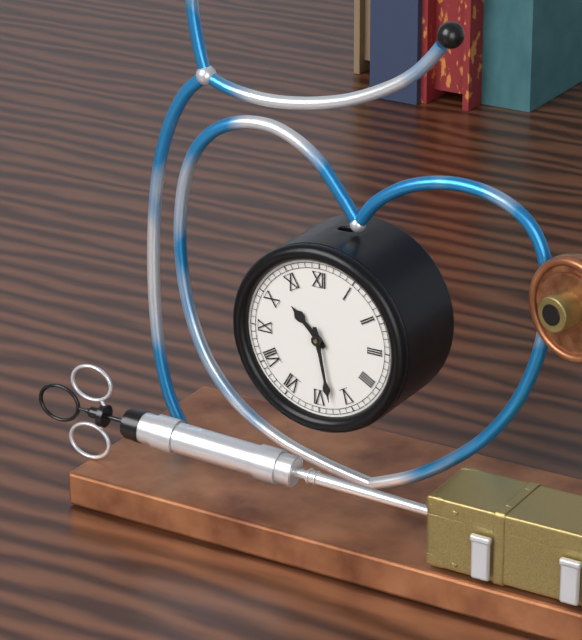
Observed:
10.28
